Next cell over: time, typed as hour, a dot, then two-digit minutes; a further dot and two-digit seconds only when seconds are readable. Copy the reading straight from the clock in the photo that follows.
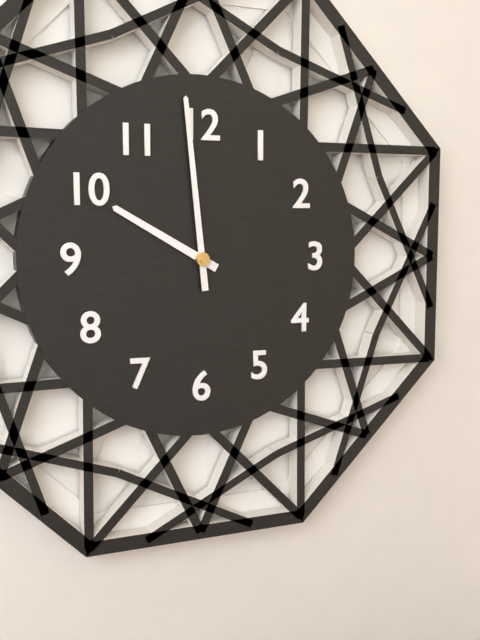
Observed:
9.59
